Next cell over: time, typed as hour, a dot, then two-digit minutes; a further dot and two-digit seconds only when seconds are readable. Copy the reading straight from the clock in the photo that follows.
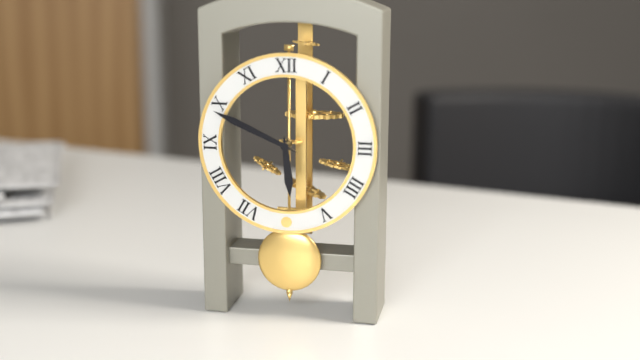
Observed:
5.49
